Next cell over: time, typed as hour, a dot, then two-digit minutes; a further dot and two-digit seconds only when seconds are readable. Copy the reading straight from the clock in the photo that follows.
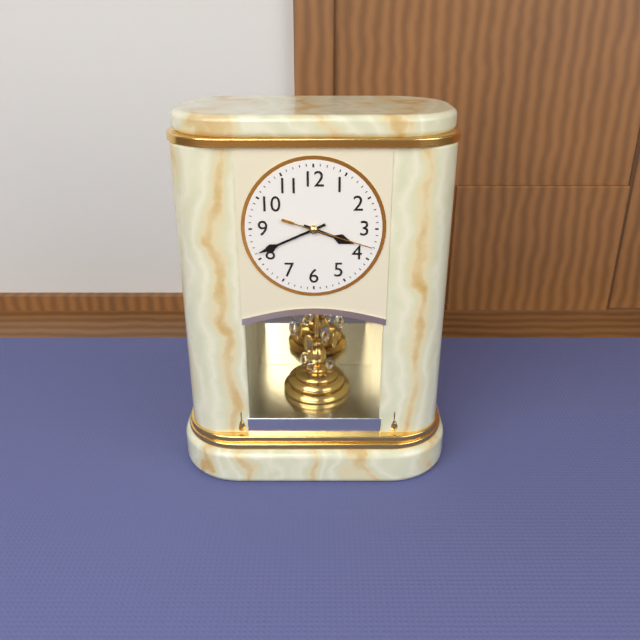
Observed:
3.41.18
